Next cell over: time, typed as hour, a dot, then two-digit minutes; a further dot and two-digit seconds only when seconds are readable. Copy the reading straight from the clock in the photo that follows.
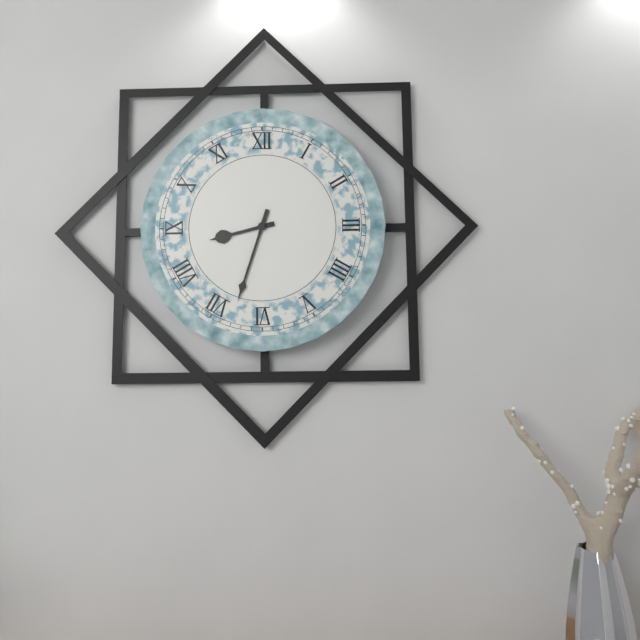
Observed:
8.33
